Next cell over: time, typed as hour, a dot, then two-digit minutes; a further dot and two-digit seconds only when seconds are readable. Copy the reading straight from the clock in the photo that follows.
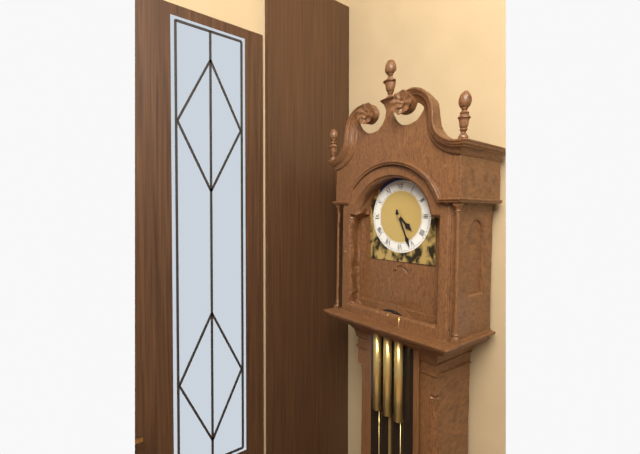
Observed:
4.26
